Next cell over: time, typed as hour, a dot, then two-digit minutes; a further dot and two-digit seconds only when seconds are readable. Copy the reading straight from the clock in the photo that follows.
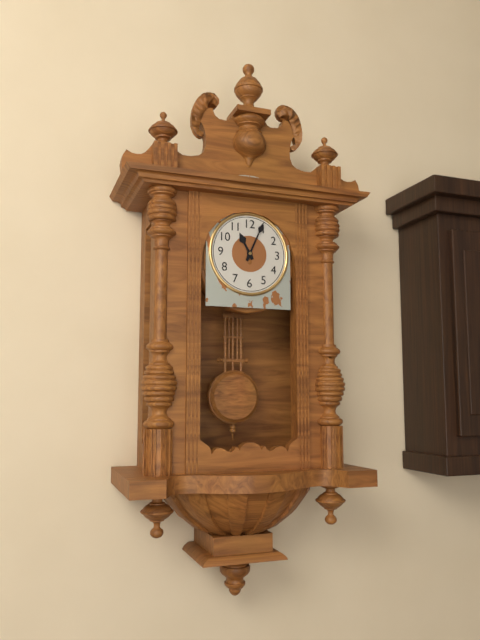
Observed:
11.04
